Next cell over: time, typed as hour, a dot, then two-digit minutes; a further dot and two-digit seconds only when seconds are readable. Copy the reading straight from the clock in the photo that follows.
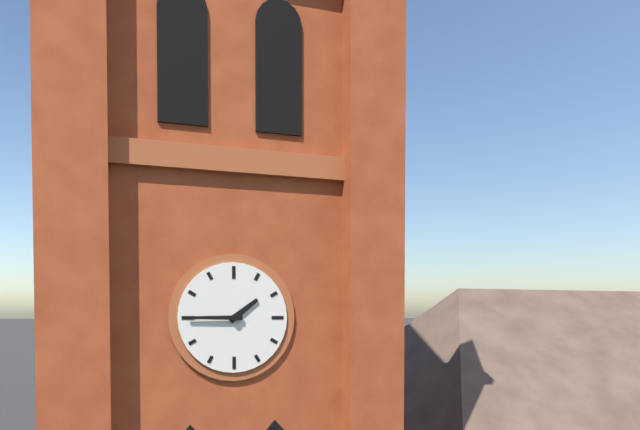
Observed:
1.45
